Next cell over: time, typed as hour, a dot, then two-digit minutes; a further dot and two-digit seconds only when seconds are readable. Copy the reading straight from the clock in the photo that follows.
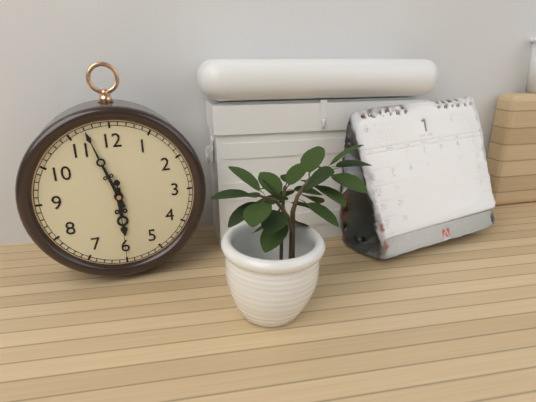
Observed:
5.57.30
